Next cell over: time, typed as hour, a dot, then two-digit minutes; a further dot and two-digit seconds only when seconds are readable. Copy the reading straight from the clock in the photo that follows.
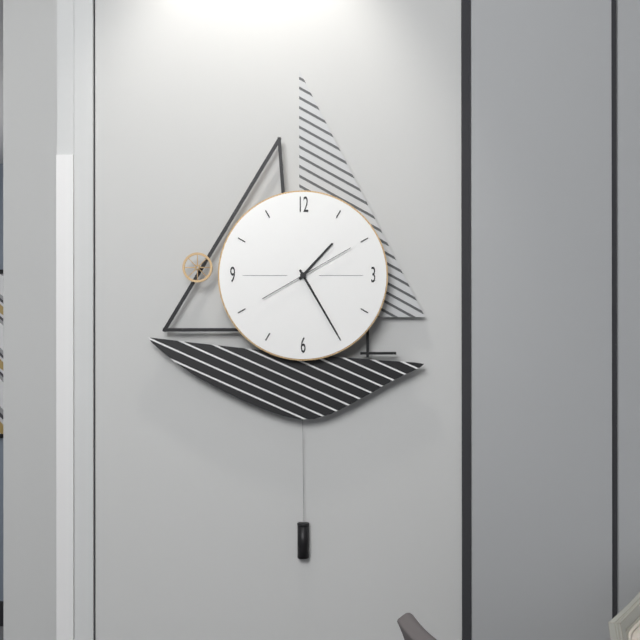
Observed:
1.25.10
